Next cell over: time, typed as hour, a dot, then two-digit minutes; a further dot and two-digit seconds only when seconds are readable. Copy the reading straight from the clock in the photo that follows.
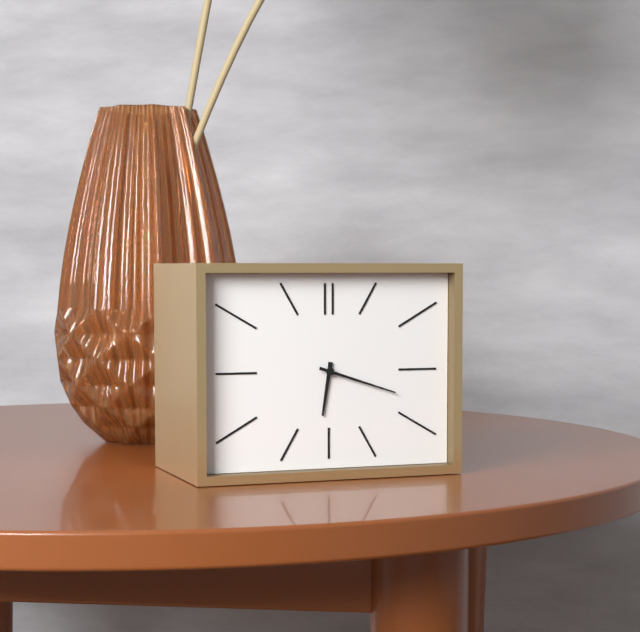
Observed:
6.18
